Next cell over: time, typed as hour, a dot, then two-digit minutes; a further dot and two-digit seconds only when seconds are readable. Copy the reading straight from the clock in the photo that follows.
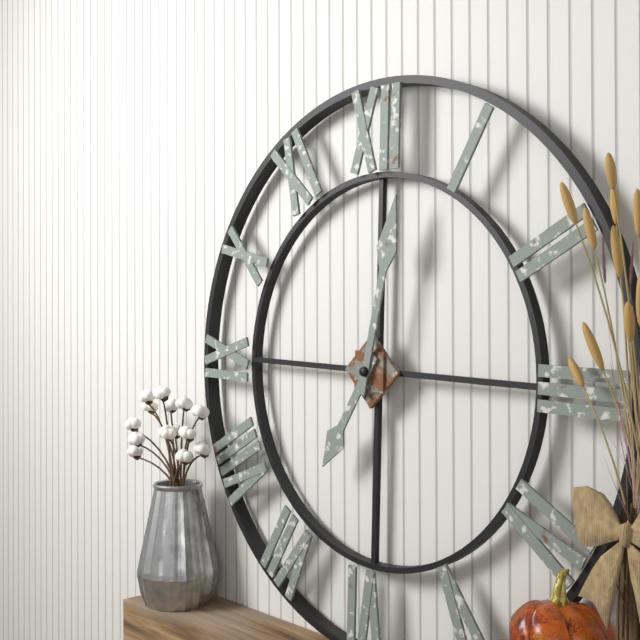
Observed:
7.02
